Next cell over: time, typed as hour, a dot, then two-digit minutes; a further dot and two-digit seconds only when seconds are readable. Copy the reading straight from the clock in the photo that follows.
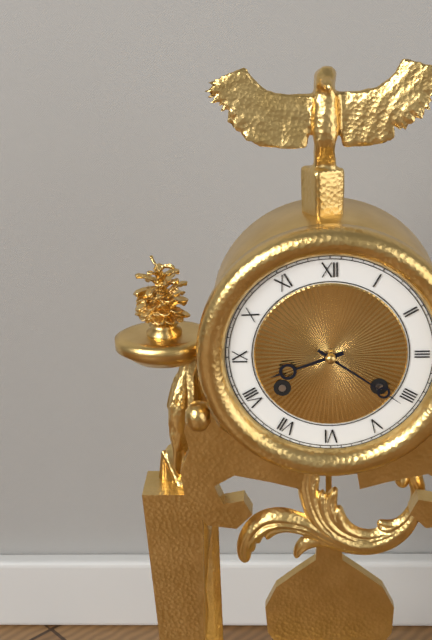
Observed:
8.21
